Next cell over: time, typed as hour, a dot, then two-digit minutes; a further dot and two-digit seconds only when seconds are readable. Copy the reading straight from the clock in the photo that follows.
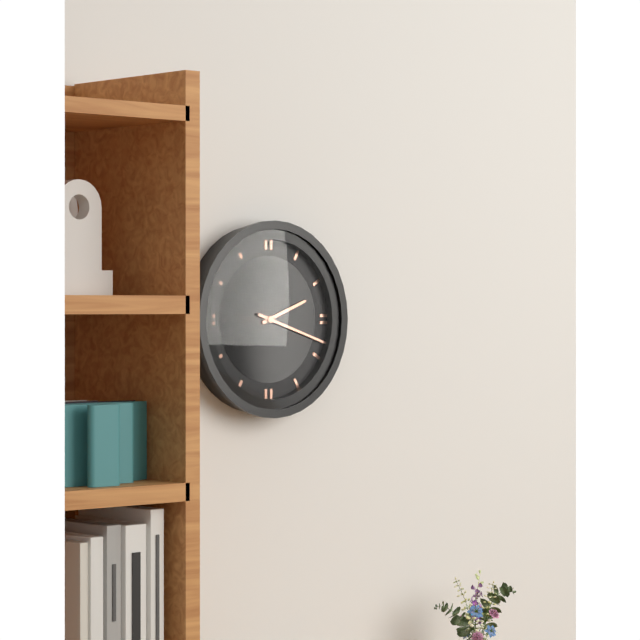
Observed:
2.18
